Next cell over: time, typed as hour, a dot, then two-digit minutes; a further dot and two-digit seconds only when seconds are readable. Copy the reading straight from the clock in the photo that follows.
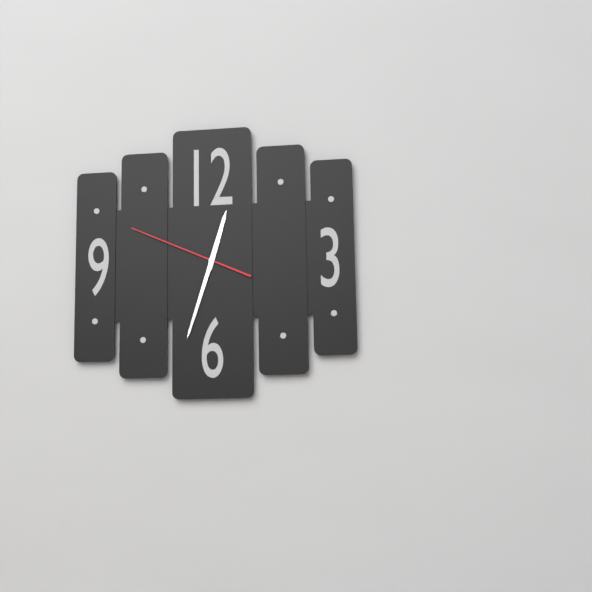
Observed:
12.33.49
